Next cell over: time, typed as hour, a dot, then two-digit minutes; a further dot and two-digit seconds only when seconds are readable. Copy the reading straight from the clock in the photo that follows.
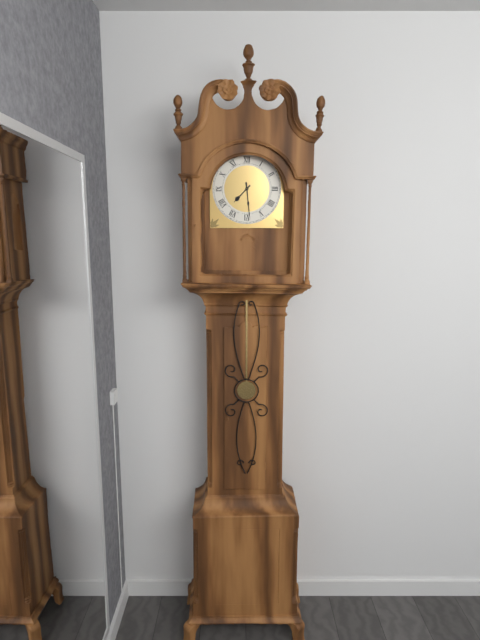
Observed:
7.29
